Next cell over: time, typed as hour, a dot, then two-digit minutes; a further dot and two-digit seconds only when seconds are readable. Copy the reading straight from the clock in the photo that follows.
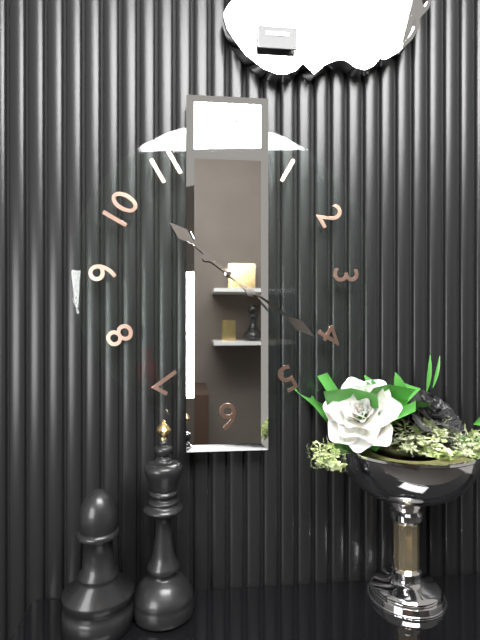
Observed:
10.21
